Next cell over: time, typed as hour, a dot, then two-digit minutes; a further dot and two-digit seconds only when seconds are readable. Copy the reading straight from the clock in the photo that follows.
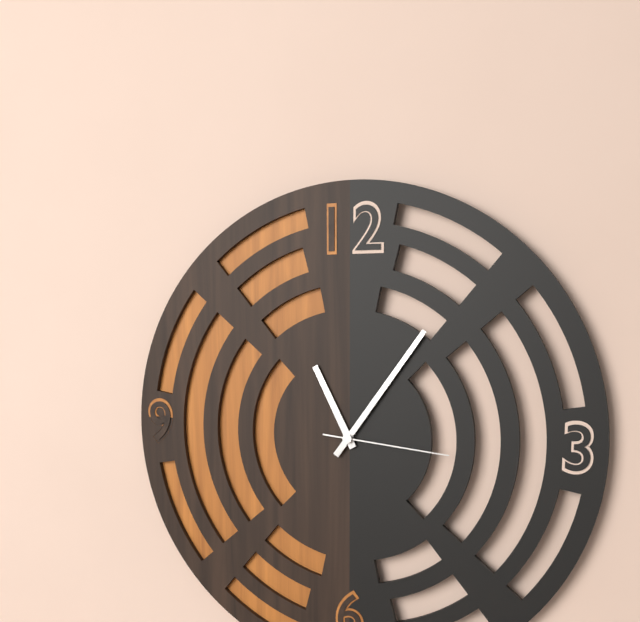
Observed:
11.06.16
